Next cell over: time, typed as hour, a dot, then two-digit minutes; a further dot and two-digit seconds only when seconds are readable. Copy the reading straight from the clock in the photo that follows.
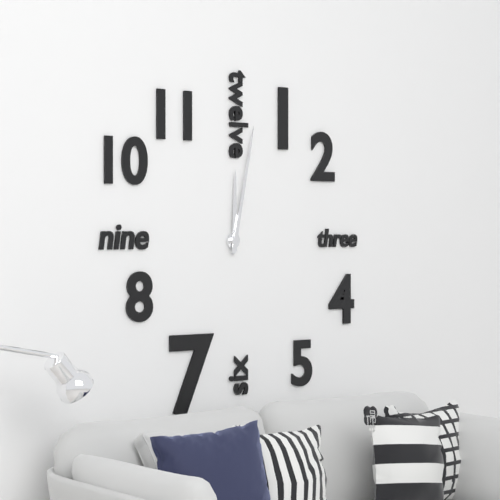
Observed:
12.02
